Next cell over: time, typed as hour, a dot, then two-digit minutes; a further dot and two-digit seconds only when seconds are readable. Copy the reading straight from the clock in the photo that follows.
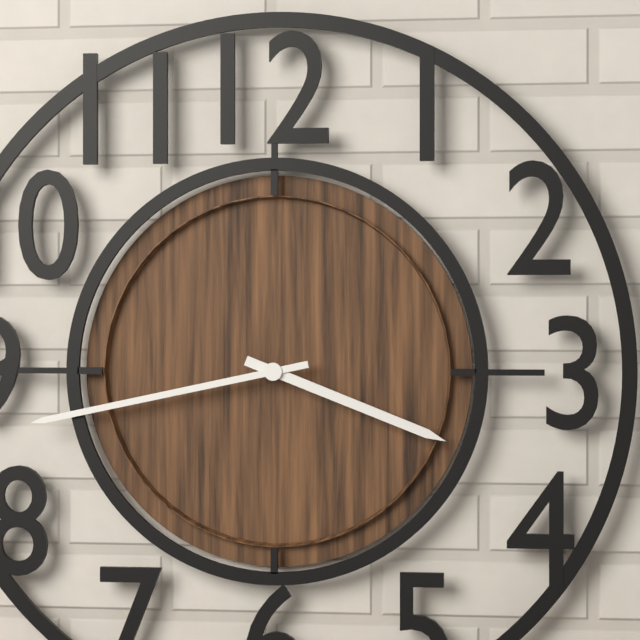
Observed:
3.43
